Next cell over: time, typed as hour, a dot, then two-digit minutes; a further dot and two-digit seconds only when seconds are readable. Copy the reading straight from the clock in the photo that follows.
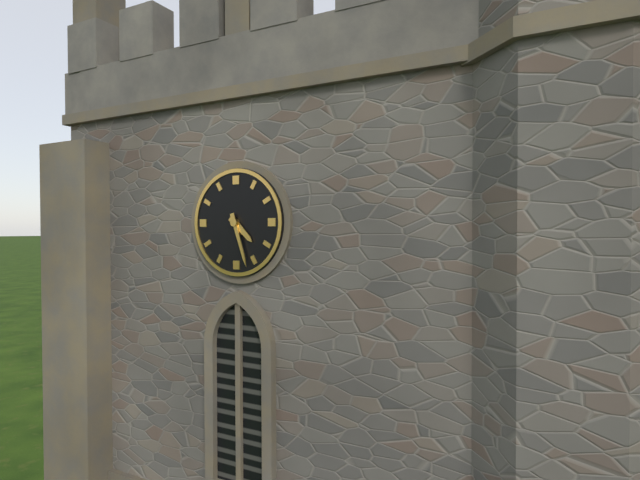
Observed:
4.27
